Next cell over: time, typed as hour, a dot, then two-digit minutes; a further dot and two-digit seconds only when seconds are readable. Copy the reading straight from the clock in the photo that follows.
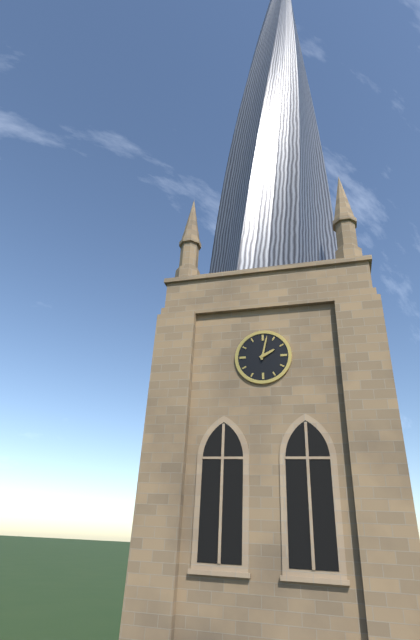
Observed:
2.02
